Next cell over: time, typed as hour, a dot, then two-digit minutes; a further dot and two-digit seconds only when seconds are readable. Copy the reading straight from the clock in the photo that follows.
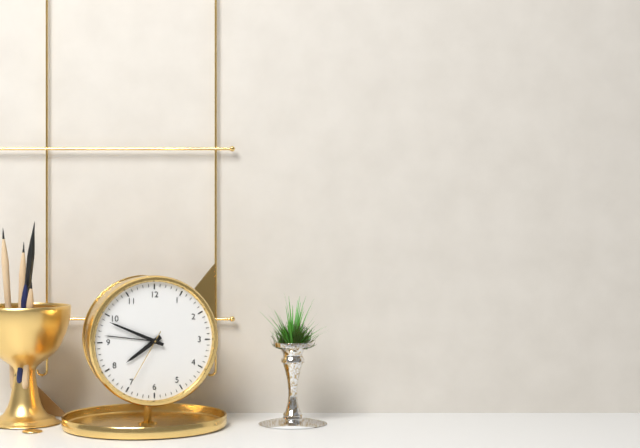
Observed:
7.49.35
